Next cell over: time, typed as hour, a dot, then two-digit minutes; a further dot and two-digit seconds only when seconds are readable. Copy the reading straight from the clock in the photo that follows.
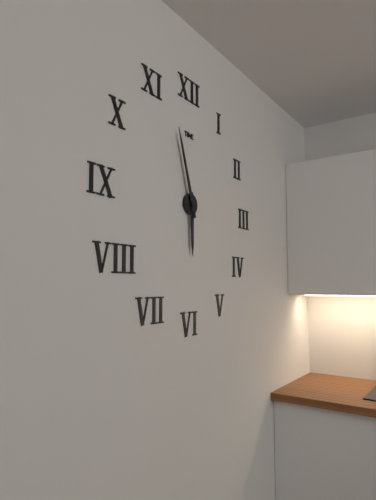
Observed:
5.57
